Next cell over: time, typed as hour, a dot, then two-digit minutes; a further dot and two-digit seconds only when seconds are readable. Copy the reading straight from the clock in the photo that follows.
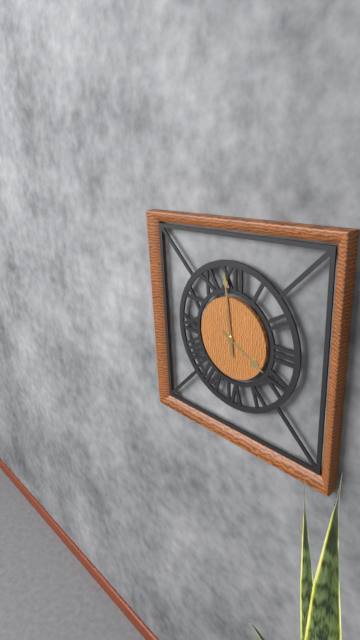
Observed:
3.59
